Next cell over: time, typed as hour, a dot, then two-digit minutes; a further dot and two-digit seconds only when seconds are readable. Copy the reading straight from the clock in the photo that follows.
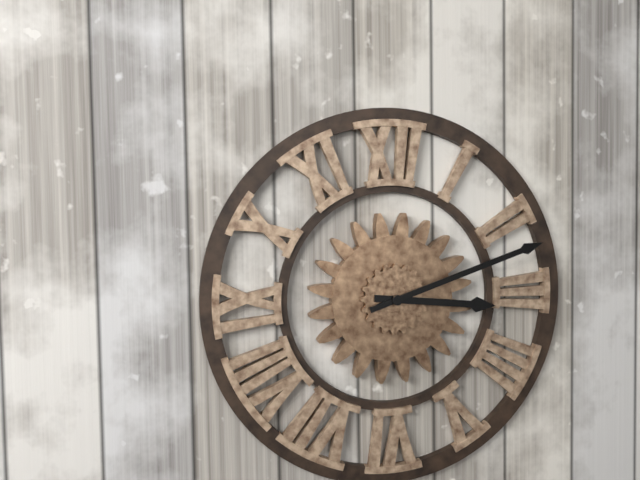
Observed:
3.12
